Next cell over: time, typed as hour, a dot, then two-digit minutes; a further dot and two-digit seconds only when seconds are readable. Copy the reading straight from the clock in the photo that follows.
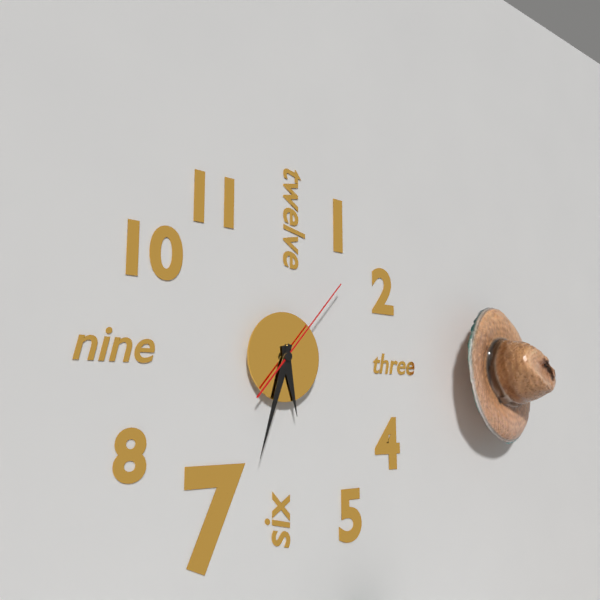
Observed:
5.33.07
